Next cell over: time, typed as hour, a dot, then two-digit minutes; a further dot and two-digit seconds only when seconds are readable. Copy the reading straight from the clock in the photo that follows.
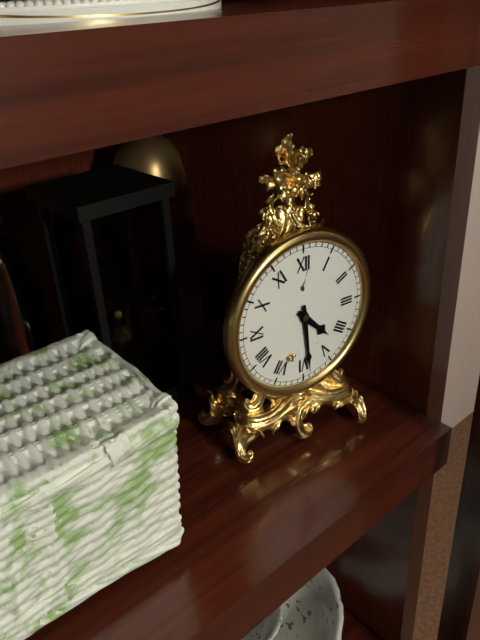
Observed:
4.29
